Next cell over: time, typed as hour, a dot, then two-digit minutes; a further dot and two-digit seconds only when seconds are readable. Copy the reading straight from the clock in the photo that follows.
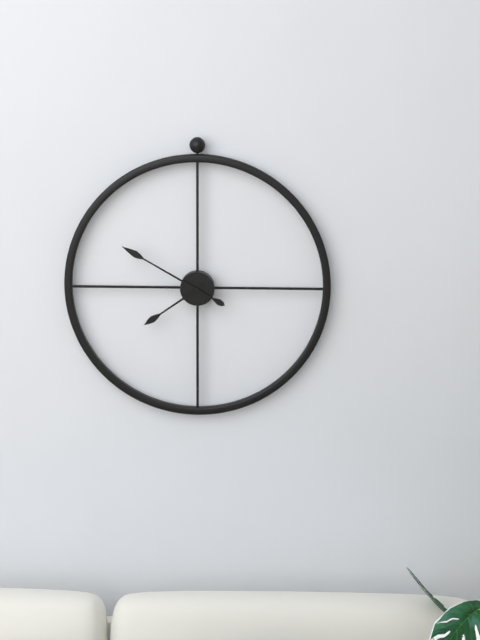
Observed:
7.50
